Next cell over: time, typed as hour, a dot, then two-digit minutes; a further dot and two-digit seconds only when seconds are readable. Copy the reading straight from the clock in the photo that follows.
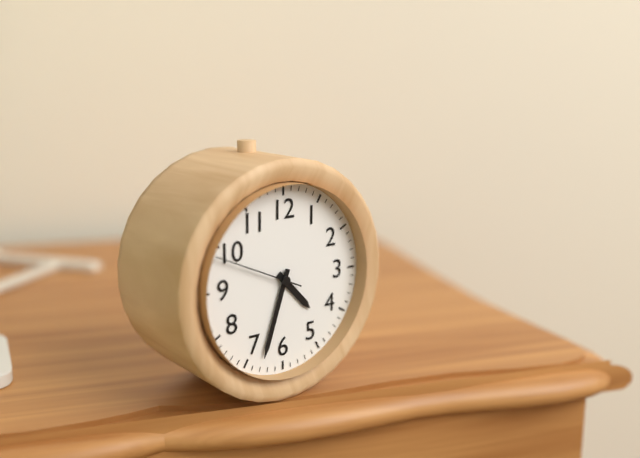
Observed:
4.33.49
